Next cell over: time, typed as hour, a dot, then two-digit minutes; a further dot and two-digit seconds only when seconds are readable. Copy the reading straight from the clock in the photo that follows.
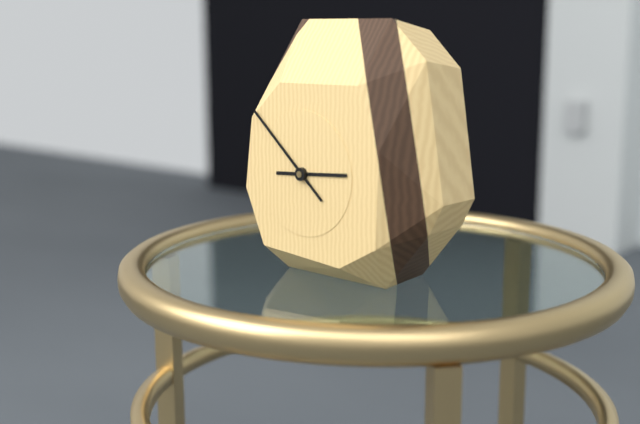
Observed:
2.52
